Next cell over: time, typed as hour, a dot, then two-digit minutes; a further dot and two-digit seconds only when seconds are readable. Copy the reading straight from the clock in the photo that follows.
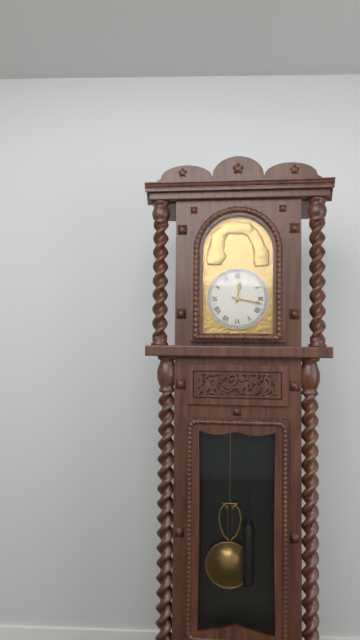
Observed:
12.17
